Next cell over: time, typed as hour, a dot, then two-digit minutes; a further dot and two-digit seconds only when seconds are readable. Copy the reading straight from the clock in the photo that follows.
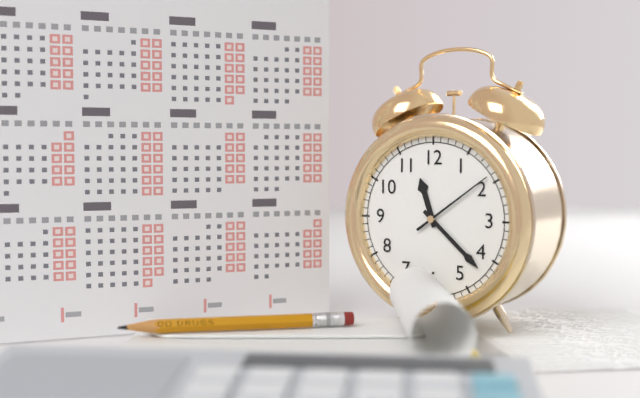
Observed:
11.22.09
